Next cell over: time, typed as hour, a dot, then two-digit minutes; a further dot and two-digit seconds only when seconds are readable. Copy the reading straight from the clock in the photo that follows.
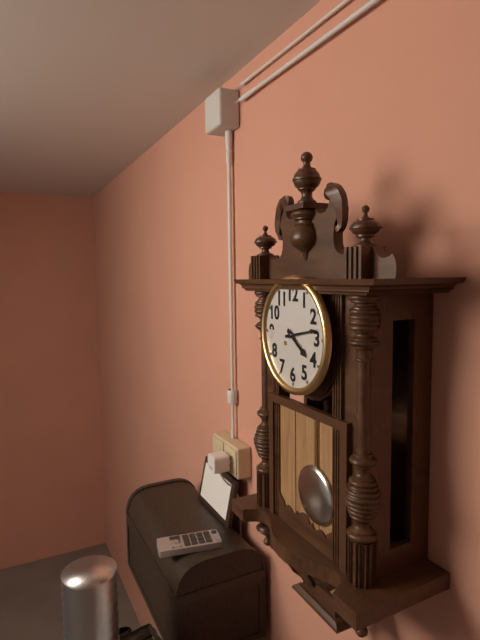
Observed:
4.13
